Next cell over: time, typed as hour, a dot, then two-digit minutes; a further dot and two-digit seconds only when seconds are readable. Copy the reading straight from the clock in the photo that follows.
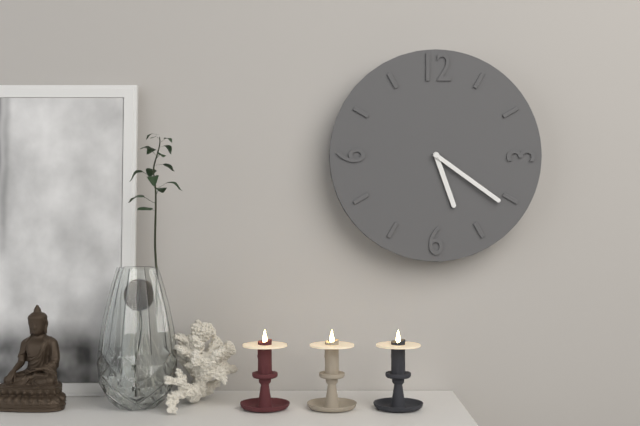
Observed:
5.21
